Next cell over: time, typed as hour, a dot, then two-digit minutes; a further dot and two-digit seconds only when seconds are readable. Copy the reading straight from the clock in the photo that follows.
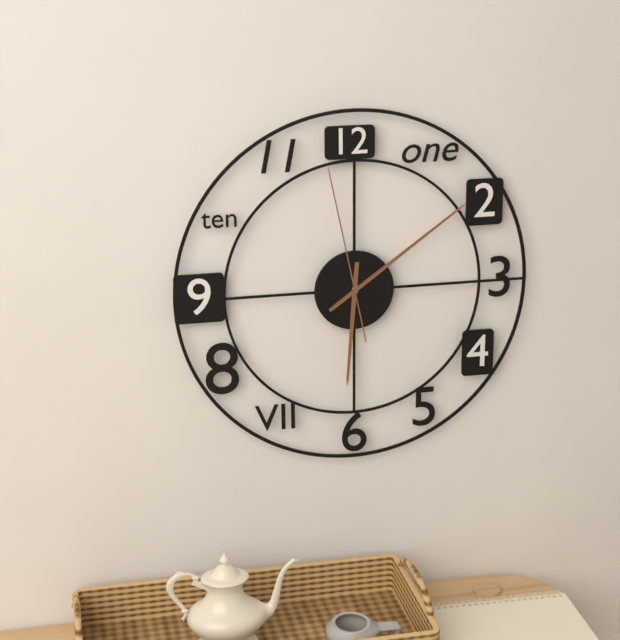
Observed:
6.09.58
